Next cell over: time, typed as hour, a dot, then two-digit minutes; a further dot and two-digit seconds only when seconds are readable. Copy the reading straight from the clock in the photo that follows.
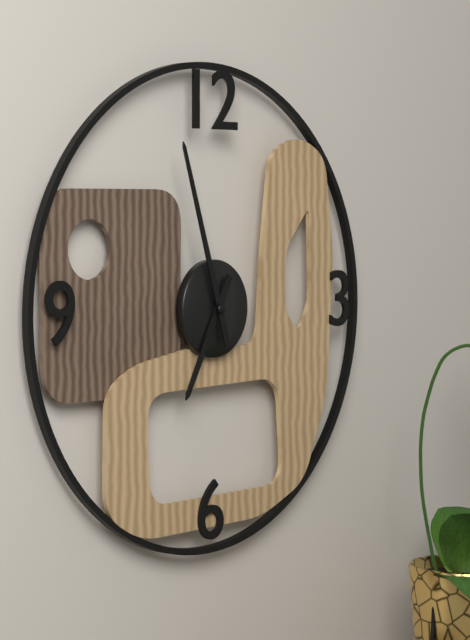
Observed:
6.57
